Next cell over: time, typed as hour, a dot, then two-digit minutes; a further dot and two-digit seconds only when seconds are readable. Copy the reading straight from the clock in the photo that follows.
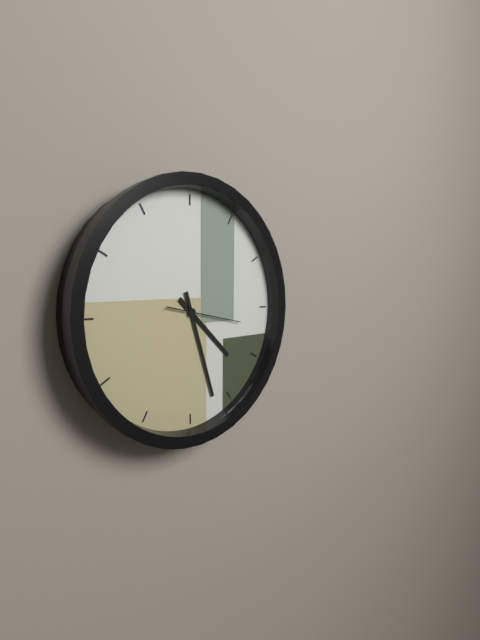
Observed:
4.27.17
